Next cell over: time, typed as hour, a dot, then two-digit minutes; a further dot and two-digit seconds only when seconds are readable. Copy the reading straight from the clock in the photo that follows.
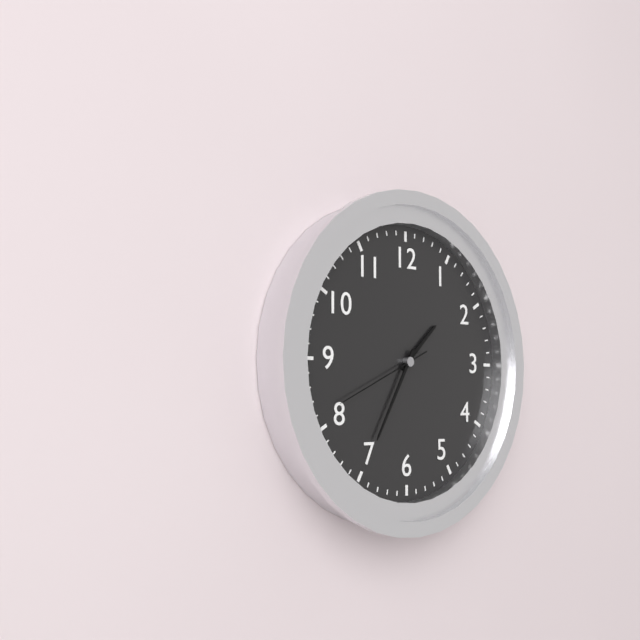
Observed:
1.35.41
